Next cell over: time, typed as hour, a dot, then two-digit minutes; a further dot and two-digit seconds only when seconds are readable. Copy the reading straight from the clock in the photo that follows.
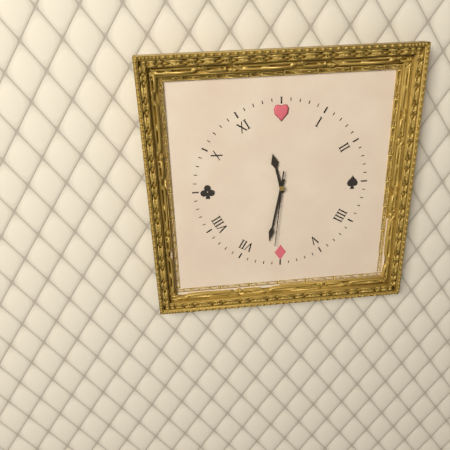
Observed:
11.32.31
